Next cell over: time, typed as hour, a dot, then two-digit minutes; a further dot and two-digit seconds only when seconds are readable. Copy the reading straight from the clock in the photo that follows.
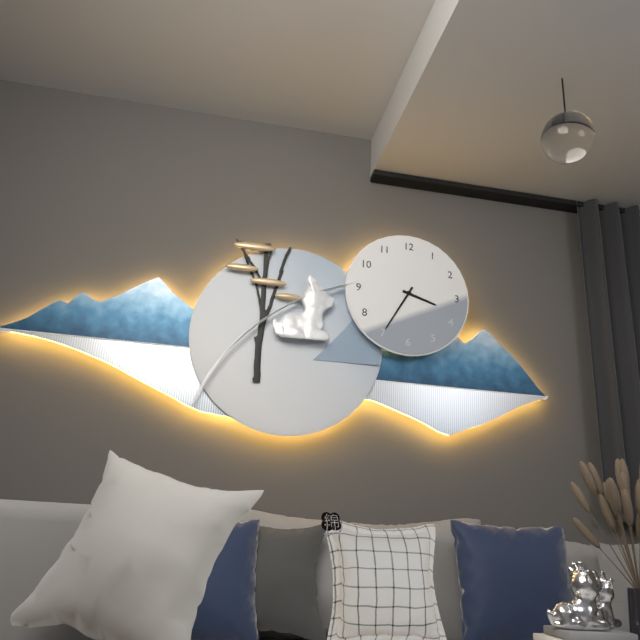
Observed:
3.35
